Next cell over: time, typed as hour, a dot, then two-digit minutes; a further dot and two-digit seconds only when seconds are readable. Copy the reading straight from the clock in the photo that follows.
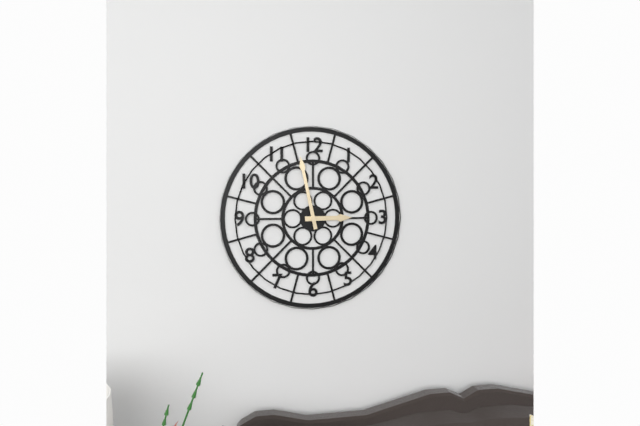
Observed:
2.58
